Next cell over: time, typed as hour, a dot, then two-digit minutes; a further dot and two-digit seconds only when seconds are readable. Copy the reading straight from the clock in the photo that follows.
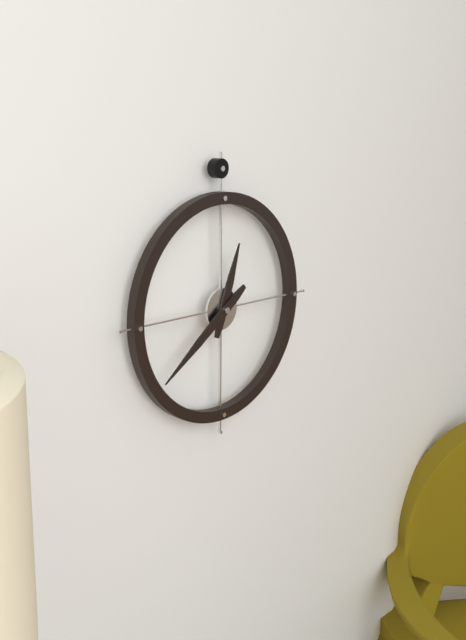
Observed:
12.39
